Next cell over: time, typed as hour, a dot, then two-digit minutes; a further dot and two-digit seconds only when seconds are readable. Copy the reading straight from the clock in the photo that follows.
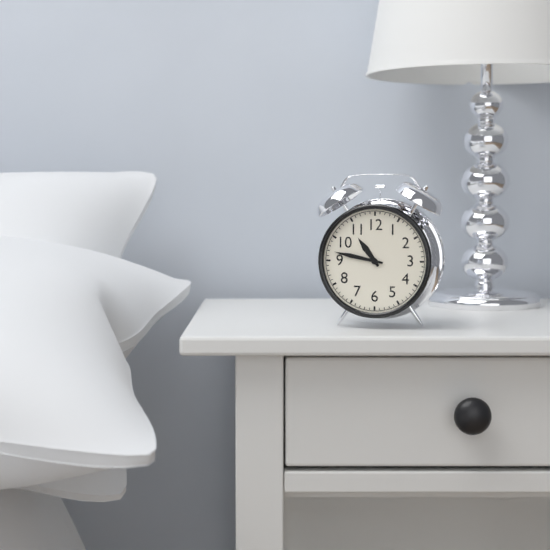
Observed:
10.47
